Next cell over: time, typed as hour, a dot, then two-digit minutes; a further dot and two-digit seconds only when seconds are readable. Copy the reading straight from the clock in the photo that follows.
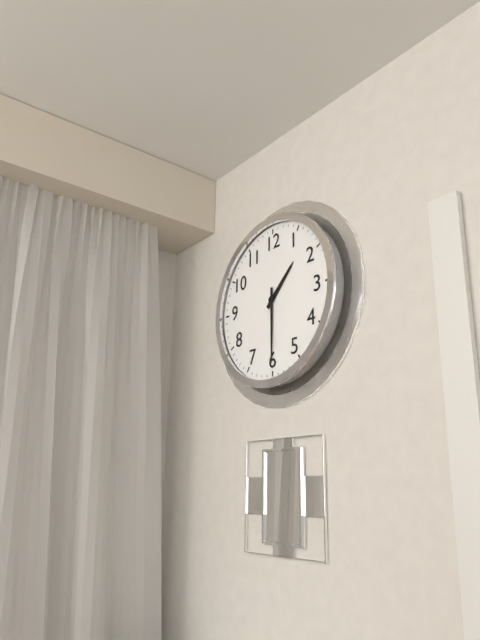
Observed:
1.30
